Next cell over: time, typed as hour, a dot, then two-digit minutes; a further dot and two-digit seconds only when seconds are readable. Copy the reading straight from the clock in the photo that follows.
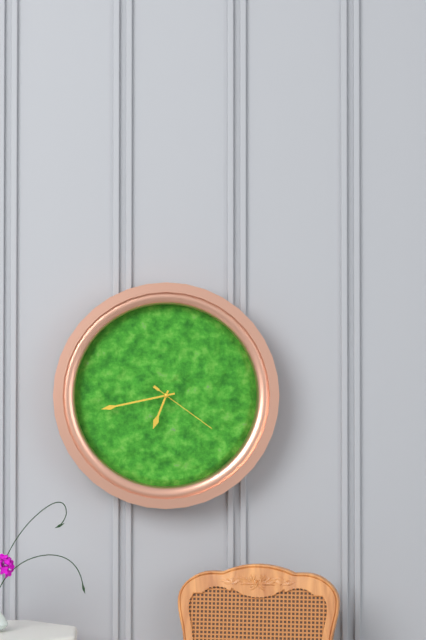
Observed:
6.43.21
